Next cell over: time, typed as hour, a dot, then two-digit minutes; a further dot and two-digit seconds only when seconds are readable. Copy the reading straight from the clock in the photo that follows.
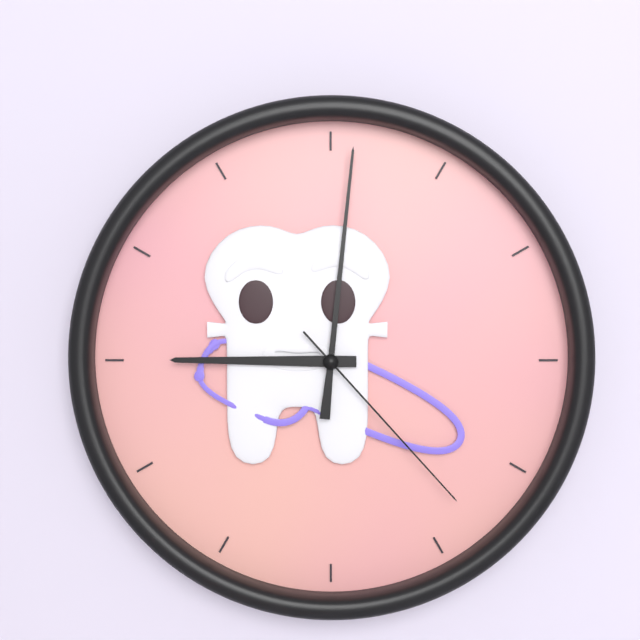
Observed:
9.01.23
